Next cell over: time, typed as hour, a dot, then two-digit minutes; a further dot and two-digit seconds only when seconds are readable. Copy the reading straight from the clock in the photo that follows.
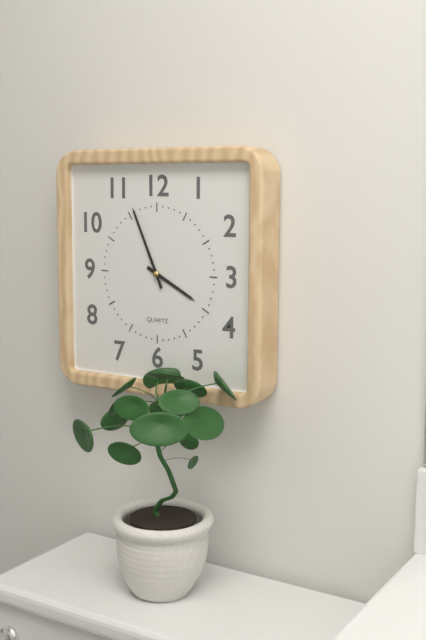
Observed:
3.56
